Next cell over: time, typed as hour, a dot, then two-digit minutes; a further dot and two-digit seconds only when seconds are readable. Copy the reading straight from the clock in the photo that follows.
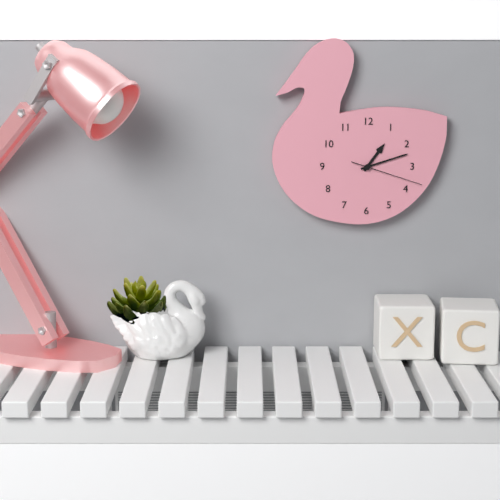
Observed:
1.12.18
